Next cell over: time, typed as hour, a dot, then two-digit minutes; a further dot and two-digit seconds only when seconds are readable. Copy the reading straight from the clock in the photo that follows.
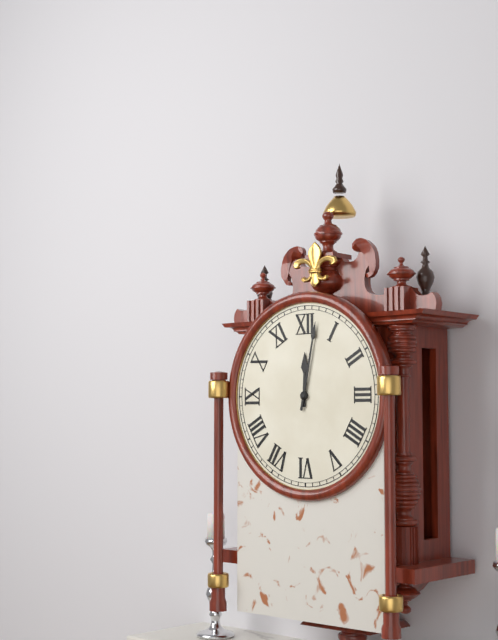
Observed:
12.02
